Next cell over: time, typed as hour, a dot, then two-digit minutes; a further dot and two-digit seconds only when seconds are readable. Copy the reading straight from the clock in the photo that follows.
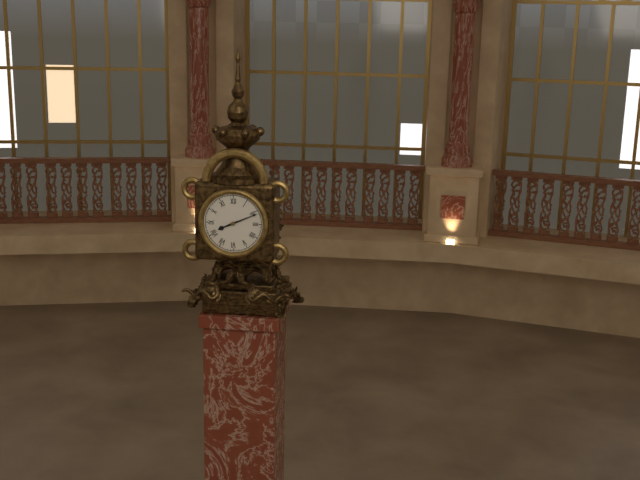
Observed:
8.11
